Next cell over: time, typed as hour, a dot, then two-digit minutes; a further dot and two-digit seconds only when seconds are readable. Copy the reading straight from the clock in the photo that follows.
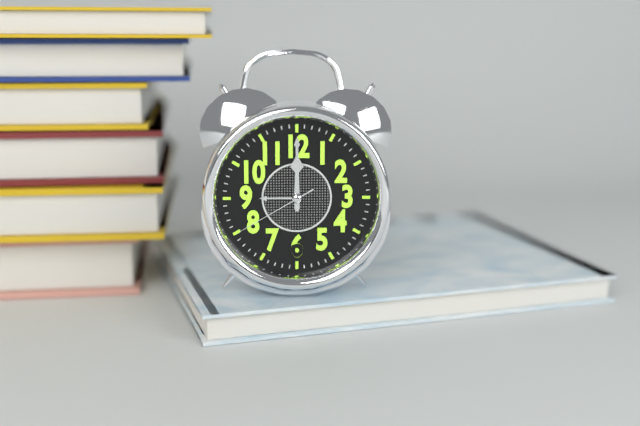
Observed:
12.00.40
